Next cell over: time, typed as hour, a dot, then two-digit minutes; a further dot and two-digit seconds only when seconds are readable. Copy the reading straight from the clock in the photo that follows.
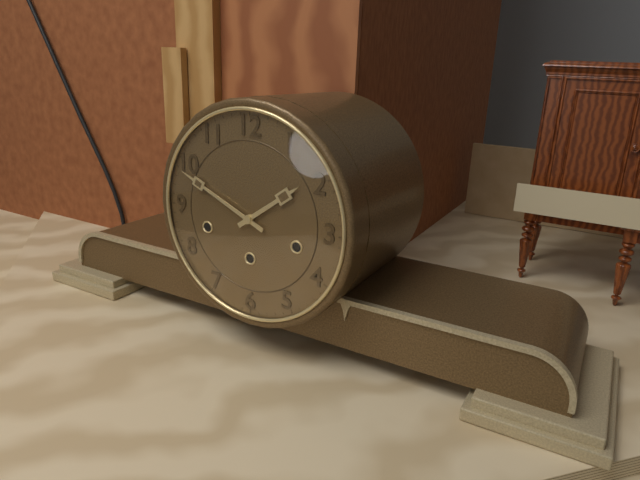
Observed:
1.49
